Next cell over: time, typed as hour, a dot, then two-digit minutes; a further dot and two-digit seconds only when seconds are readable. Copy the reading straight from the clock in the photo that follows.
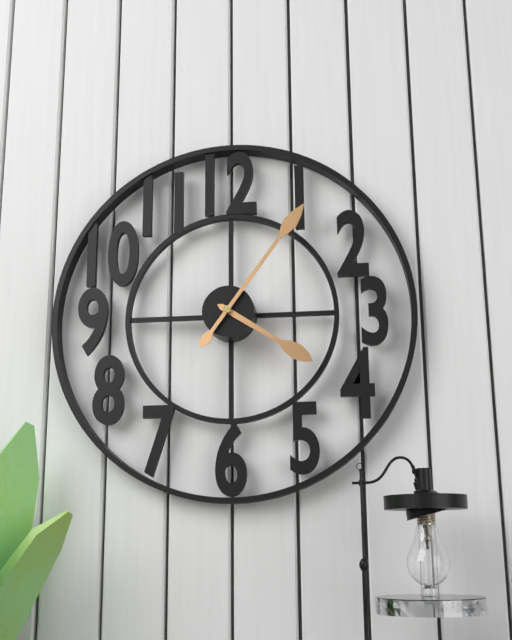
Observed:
4.06
